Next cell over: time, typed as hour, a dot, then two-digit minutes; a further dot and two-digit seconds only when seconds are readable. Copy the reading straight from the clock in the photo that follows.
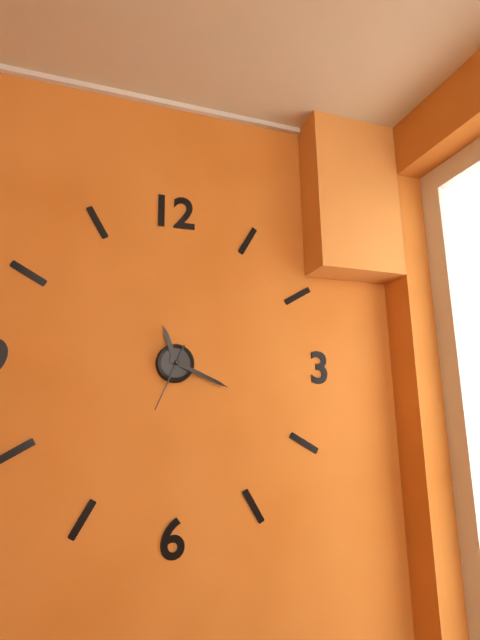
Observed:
11.19.34
